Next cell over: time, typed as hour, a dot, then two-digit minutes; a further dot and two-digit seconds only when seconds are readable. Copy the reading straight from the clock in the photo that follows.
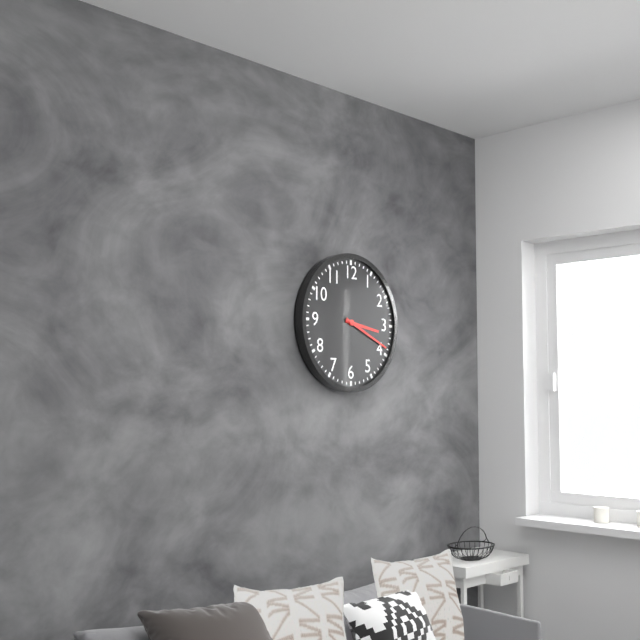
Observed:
3.19
